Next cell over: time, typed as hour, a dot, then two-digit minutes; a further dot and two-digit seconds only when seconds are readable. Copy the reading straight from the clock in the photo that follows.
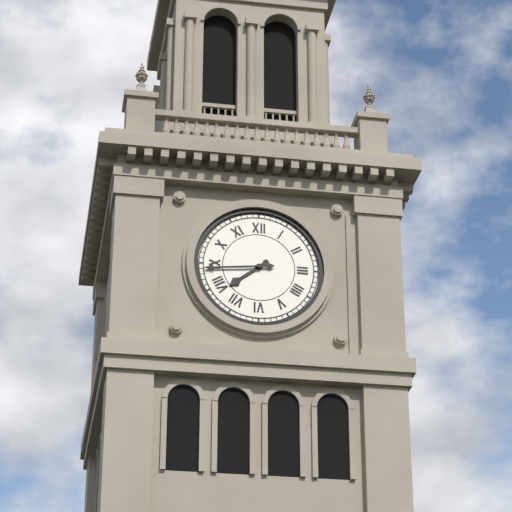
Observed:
7.44
